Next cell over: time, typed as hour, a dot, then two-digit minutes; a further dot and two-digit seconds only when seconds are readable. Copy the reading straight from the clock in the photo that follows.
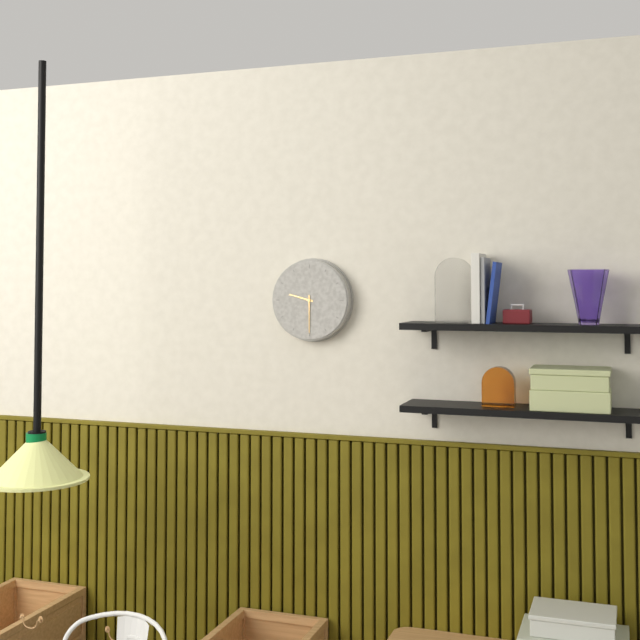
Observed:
9.30
